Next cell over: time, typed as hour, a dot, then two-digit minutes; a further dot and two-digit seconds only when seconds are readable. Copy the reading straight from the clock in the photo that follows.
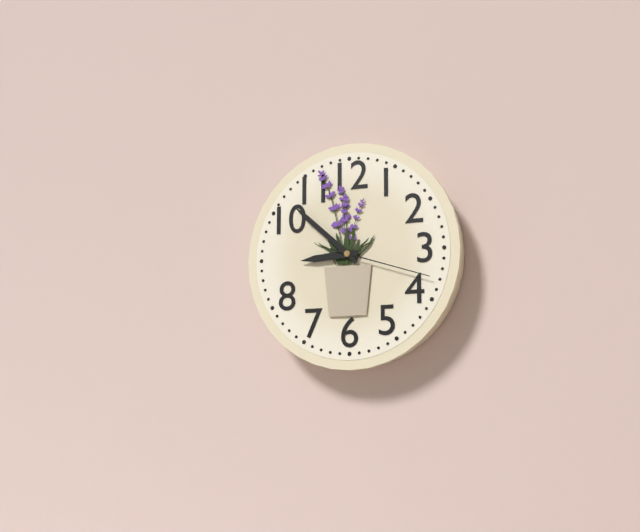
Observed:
8.52.18
